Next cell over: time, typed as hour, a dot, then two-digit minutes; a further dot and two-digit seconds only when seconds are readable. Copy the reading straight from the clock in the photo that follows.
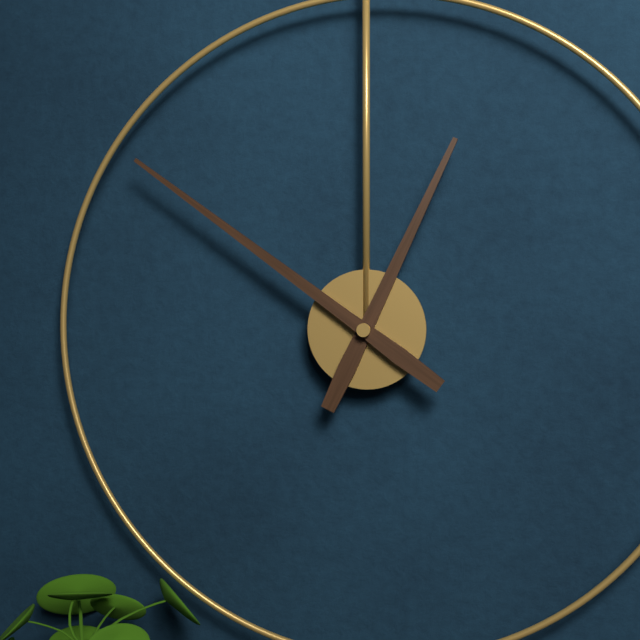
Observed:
12.51
